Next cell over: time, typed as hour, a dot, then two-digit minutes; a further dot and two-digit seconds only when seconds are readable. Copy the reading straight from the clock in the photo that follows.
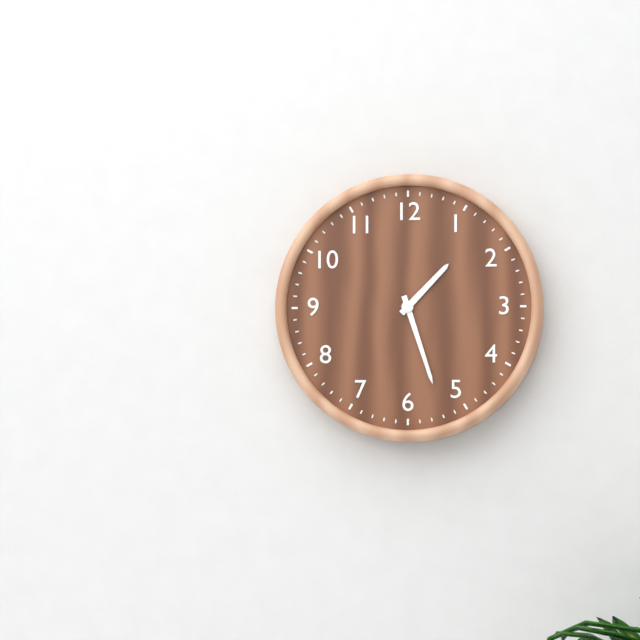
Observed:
1.27
